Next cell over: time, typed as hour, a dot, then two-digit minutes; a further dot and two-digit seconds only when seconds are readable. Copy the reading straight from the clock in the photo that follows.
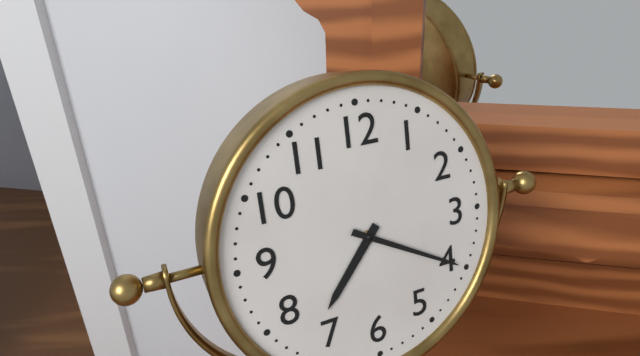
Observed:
7.20
